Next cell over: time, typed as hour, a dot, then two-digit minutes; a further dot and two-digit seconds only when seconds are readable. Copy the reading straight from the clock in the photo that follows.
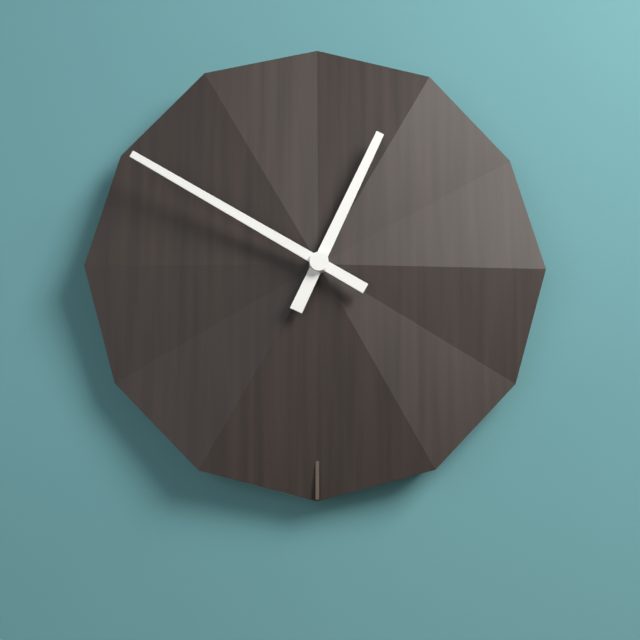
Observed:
12.50
